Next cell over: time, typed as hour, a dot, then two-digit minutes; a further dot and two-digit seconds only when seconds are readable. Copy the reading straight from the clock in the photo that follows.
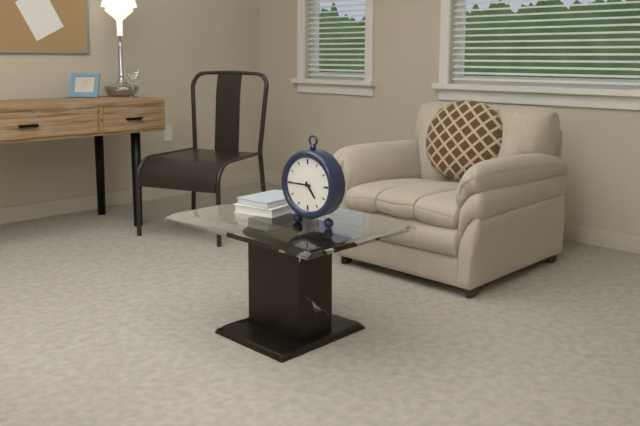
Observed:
4.45
